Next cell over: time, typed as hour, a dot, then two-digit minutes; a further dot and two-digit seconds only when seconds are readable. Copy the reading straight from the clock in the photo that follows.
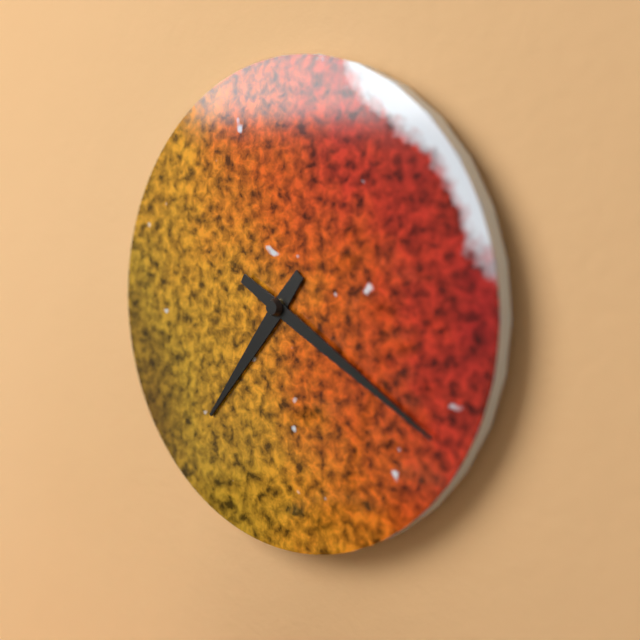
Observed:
7.20
